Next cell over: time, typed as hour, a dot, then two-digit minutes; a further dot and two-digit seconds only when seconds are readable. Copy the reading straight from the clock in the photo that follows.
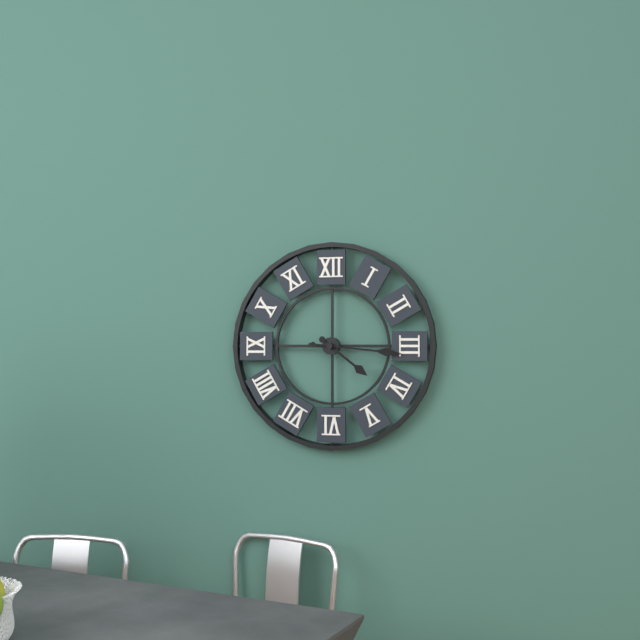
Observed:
4.16
